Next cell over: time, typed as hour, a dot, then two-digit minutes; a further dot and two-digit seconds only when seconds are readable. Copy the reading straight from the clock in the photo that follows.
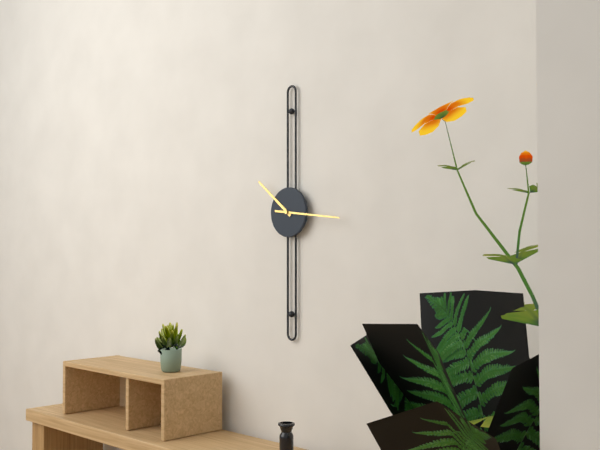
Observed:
10.16
